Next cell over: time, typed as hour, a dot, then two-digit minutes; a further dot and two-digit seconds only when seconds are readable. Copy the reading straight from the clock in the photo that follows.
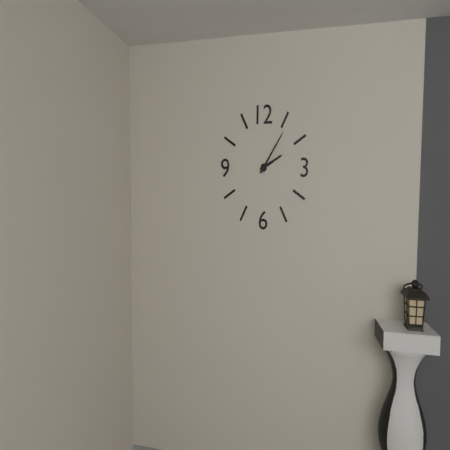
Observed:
2.06
